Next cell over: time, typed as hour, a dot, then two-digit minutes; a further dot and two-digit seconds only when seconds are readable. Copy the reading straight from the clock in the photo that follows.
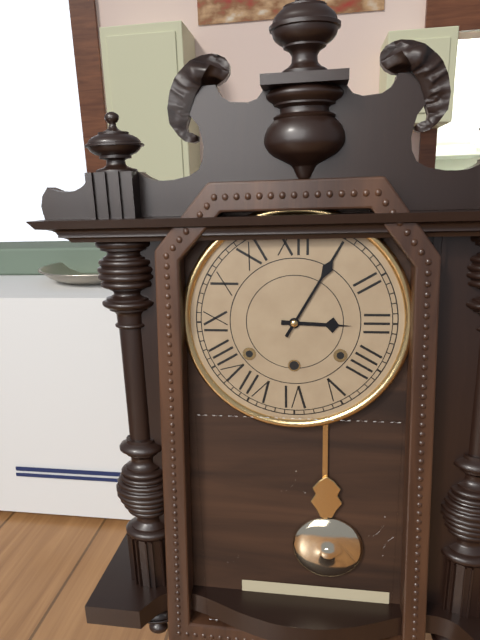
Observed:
3.05
